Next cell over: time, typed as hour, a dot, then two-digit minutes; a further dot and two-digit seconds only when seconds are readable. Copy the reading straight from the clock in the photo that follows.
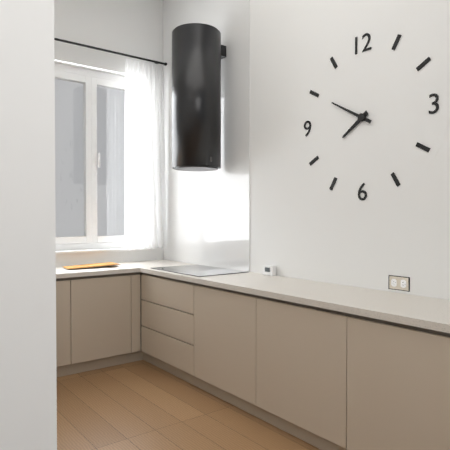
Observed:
7.50
